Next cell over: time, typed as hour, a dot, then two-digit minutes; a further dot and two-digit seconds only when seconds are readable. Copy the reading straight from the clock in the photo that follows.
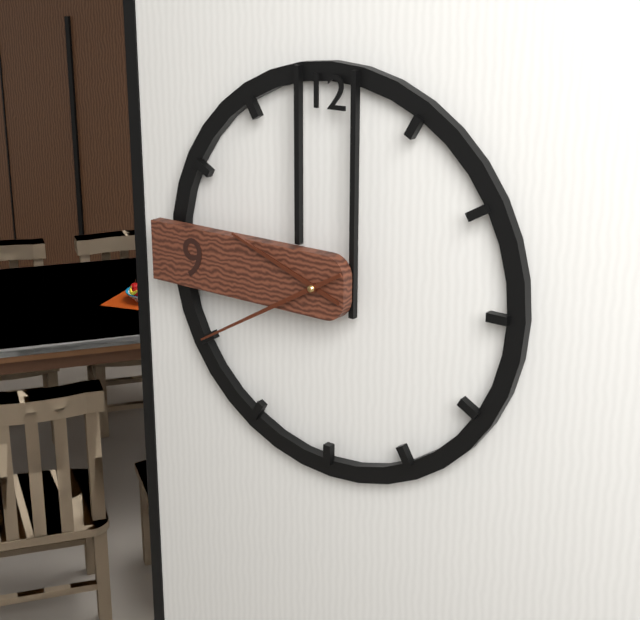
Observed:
9.40
